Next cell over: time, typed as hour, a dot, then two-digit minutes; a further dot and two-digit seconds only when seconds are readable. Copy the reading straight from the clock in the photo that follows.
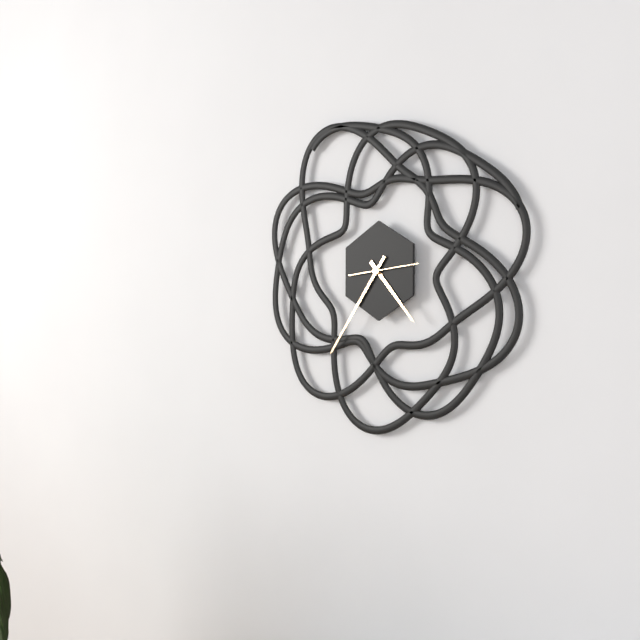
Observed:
4.36.14
